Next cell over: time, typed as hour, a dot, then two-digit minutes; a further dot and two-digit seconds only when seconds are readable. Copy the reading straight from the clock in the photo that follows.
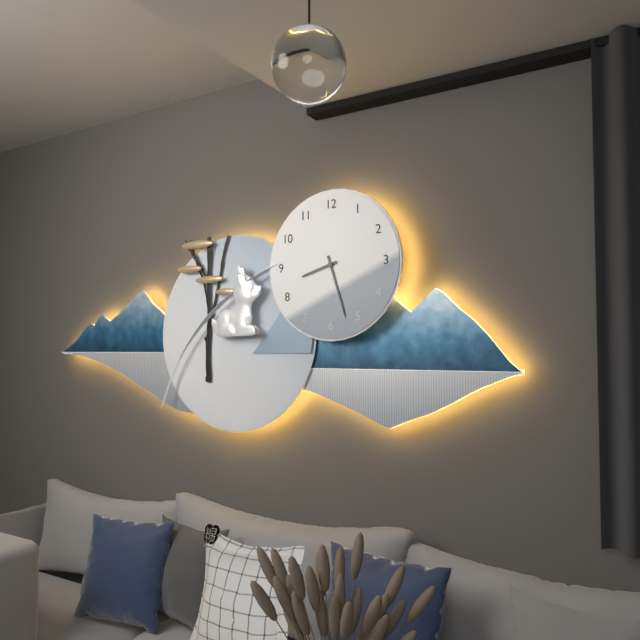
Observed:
8.27
